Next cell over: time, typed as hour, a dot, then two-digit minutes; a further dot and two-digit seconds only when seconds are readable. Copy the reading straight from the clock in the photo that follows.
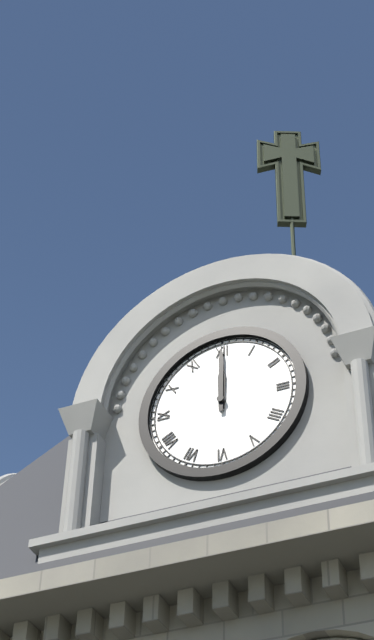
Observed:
12.00
